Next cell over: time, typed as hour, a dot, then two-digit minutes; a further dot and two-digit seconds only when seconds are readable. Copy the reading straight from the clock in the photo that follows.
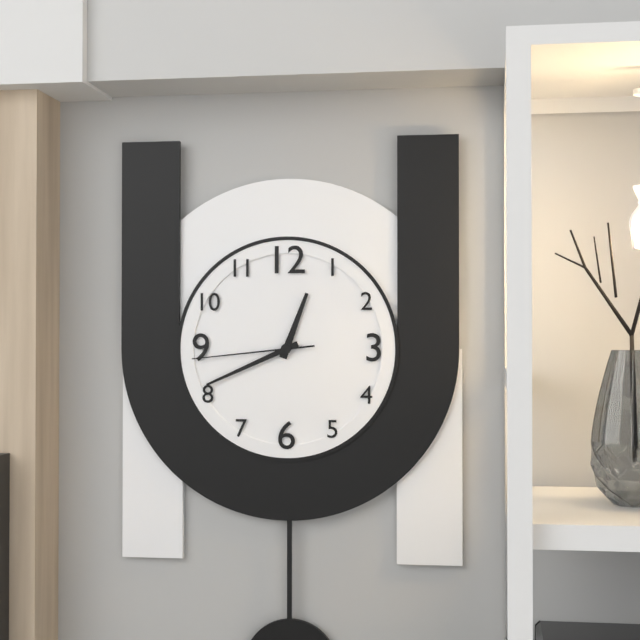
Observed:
12.41.44
